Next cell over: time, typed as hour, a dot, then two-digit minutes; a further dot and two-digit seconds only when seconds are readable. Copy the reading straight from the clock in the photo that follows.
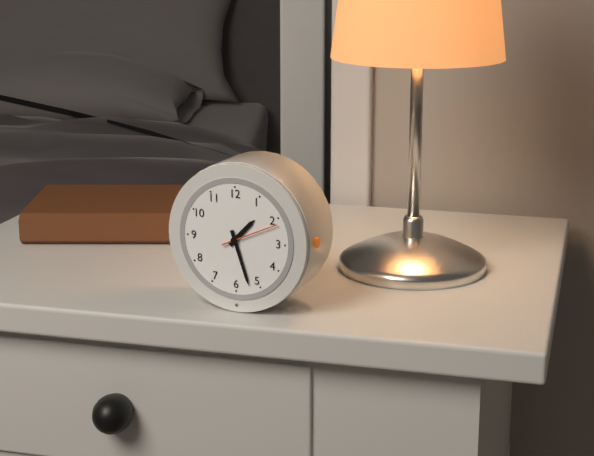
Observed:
1.27.11
